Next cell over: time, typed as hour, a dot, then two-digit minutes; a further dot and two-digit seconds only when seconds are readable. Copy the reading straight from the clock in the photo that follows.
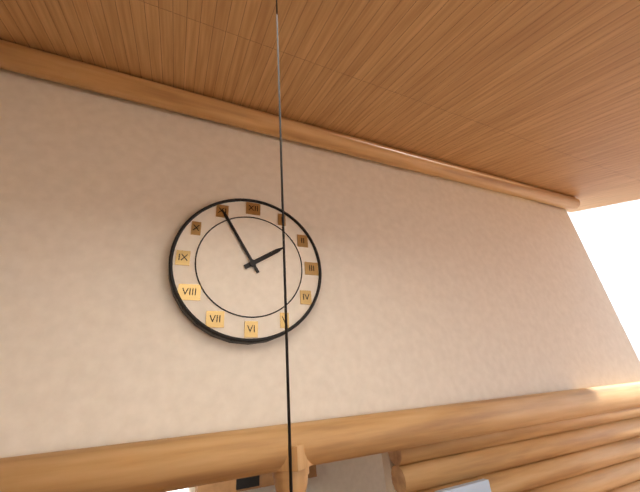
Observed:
1.55
